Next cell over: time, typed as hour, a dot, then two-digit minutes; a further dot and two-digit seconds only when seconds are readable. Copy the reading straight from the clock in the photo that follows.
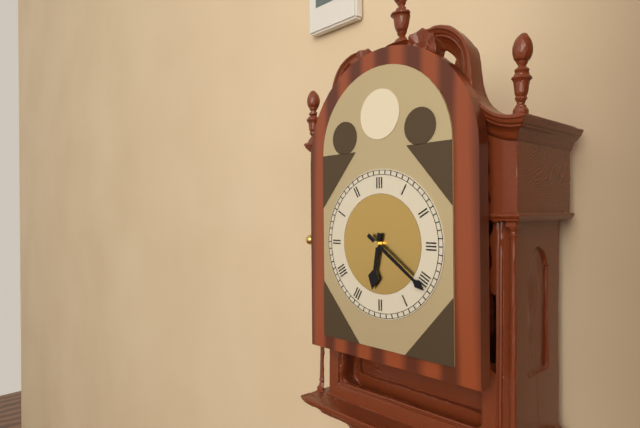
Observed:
6.21
